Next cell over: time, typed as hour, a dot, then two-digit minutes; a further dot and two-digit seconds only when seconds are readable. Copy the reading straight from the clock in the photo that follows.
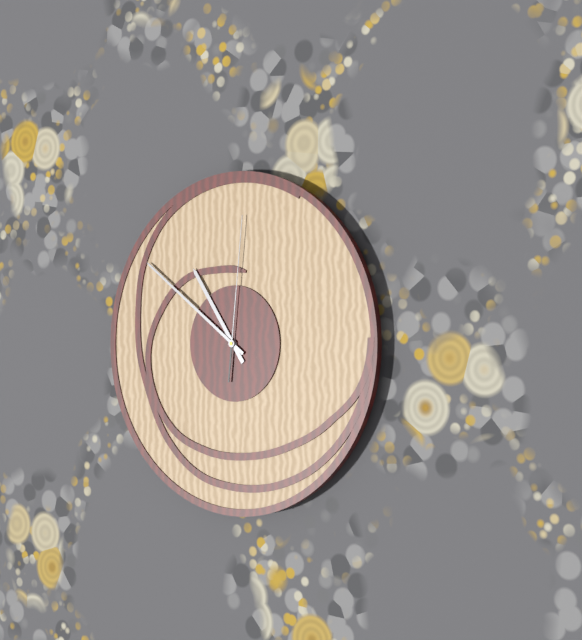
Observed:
10.51.01
